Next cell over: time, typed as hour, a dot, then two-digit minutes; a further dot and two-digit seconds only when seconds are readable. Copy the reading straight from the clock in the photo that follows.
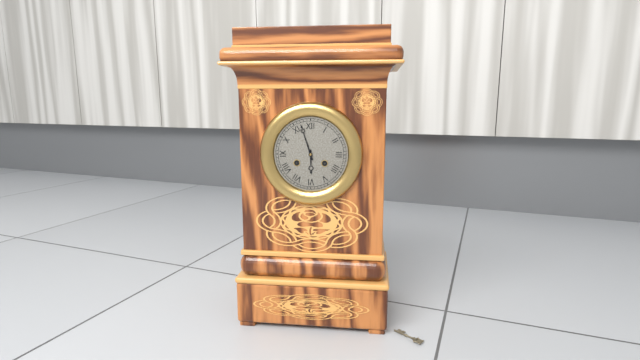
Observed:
5.57
